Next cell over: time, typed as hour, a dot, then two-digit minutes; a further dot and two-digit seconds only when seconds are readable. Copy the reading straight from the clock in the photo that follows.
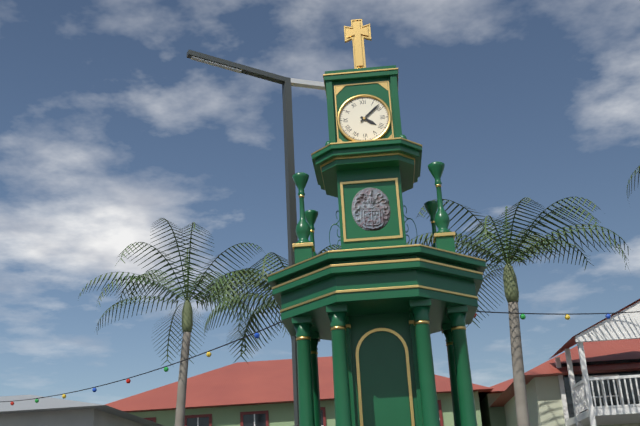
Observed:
4.08
